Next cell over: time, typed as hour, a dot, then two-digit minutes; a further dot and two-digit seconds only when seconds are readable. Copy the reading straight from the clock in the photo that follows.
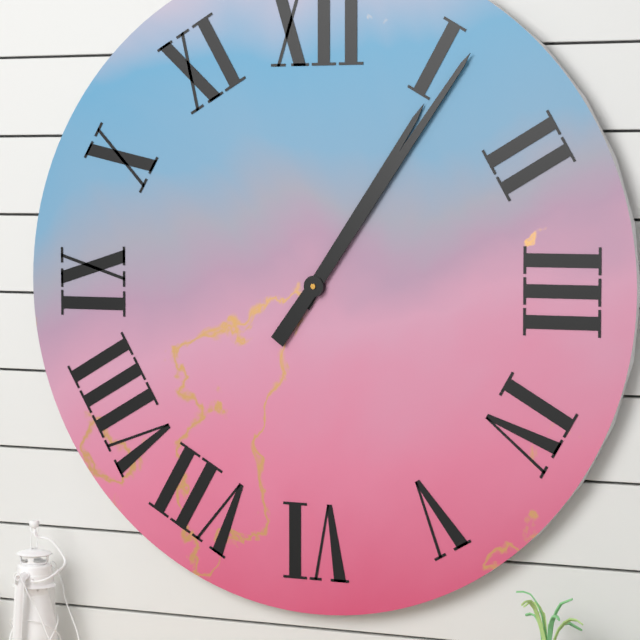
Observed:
1.06
